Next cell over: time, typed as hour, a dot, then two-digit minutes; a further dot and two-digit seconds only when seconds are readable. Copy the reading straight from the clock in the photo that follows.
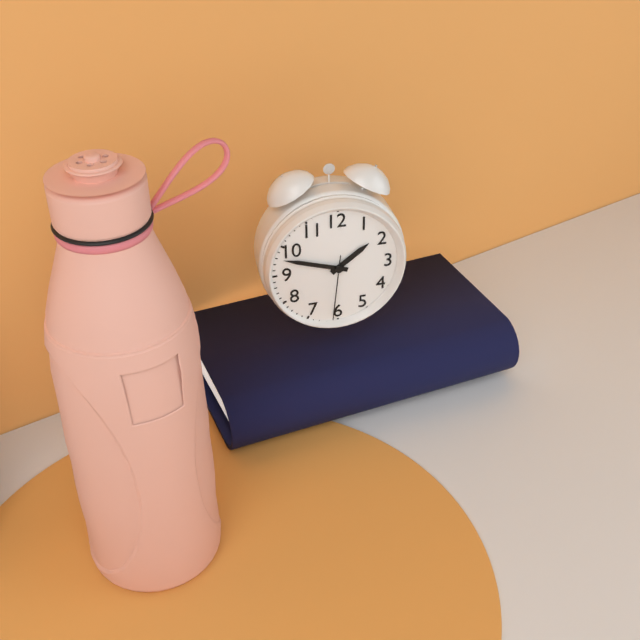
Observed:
1.48.31
